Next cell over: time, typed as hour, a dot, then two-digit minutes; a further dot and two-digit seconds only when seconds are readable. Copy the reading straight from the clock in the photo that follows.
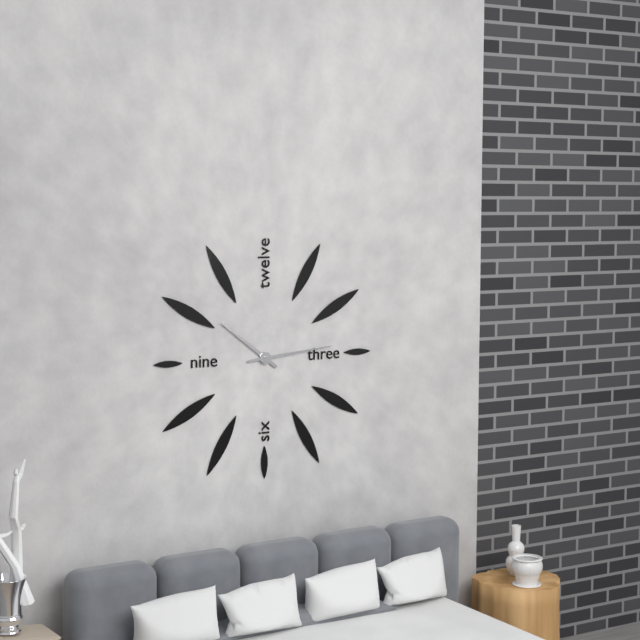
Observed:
10.14
